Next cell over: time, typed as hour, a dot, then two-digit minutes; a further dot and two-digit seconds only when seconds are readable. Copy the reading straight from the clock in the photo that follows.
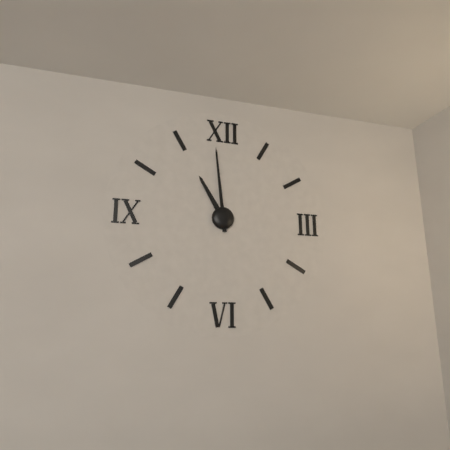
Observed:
10.59
